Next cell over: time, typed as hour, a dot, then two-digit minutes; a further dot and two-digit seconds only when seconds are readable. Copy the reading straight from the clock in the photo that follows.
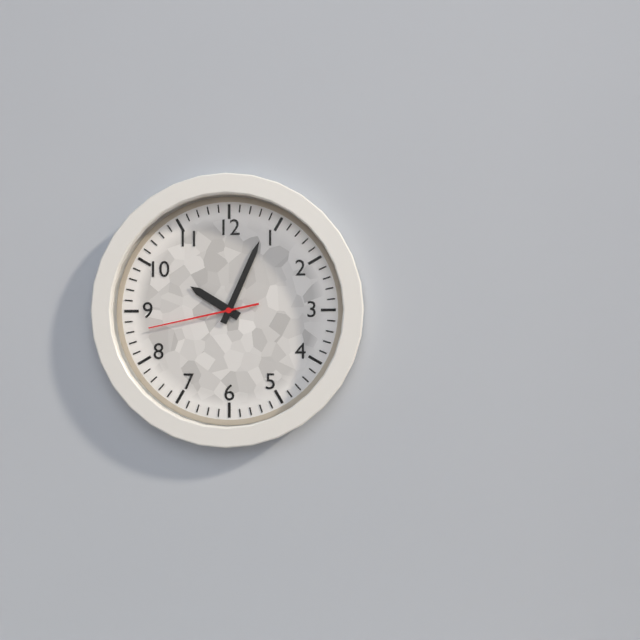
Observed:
10.04.43
